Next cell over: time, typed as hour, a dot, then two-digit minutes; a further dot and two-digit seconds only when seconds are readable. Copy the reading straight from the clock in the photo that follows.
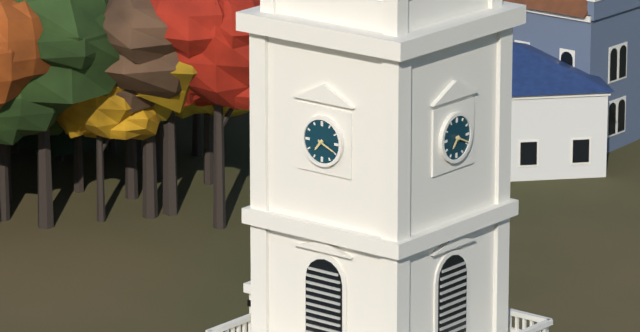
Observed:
7.19
